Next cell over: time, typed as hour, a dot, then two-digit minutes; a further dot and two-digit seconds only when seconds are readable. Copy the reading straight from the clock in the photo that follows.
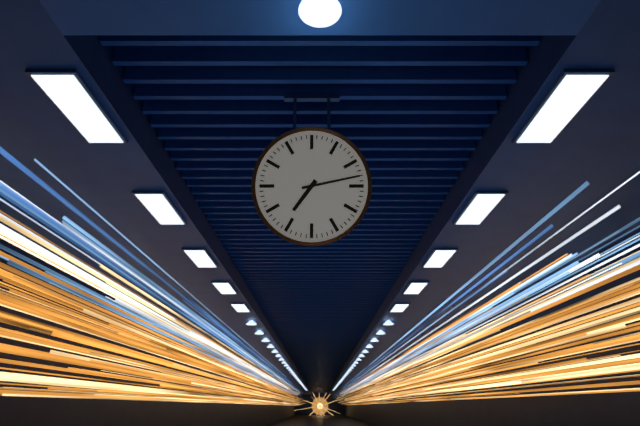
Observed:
7.13
